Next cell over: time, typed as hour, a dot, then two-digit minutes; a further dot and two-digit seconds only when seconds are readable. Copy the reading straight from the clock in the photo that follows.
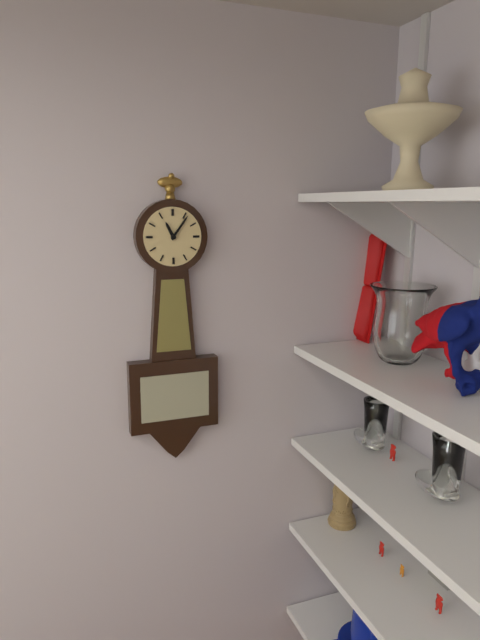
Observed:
11.06
